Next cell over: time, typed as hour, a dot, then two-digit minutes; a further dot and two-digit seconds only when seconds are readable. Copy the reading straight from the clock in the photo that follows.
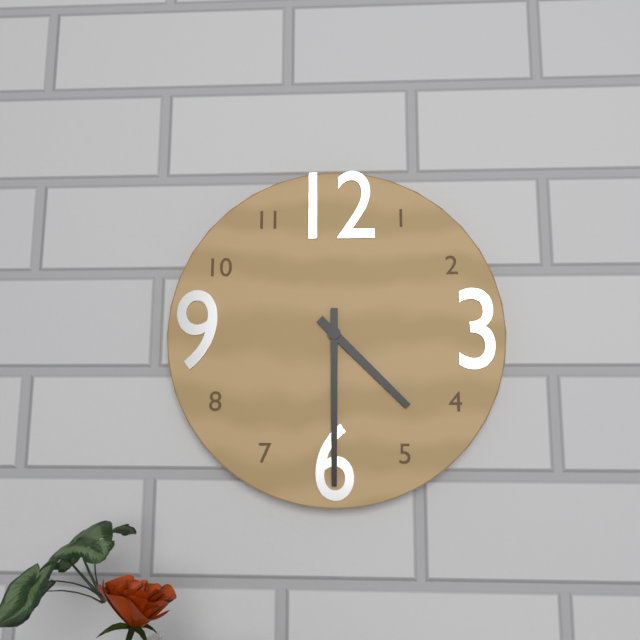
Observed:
4.30
